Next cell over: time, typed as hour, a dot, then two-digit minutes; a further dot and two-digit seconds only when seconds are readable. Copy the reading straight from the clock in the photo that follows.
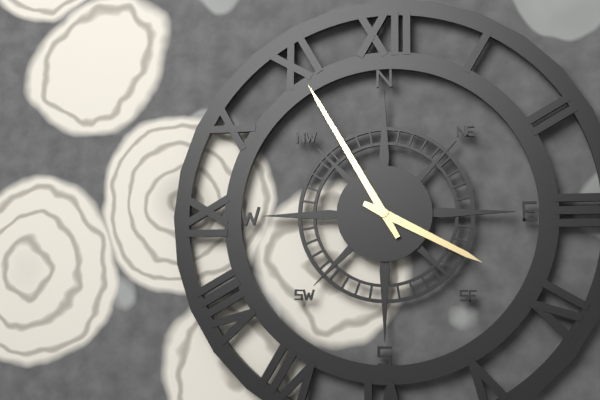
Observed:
3.55
